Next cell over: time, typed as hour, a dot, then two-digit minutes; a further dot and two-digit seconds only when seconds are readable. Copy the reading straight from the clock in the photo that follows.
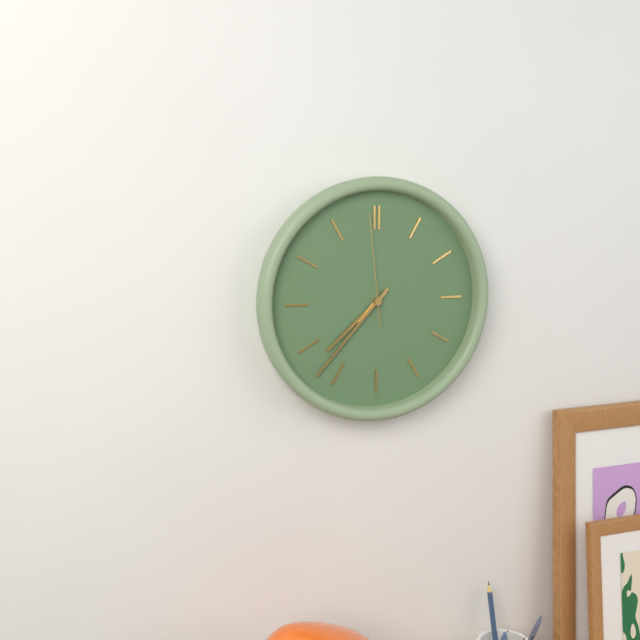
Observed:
7.37.59
